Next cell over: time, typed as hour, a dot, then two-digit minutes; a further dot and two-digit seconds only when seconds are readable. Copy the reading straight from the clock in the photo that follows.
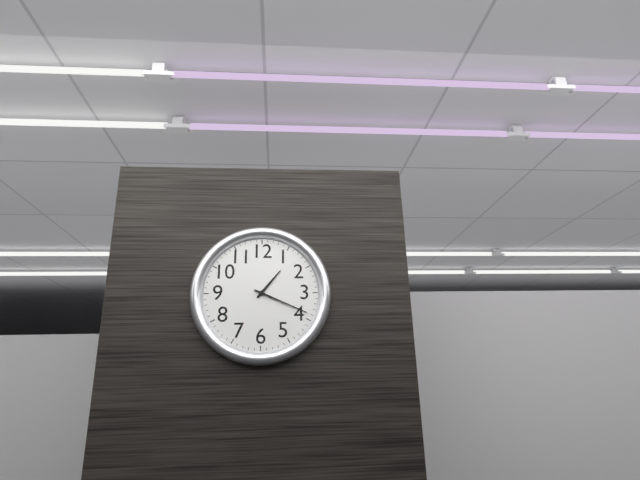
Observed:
1.19
